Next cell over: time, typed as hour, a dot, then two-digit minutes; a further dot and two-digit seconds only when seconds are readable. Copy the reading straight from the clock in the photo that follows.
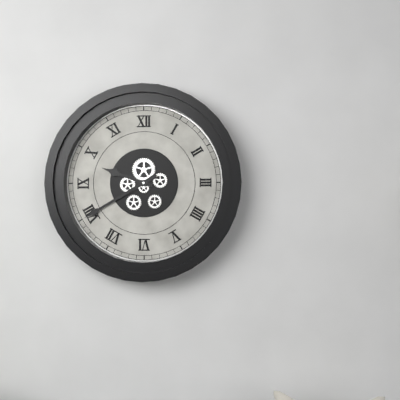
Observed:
9.40
